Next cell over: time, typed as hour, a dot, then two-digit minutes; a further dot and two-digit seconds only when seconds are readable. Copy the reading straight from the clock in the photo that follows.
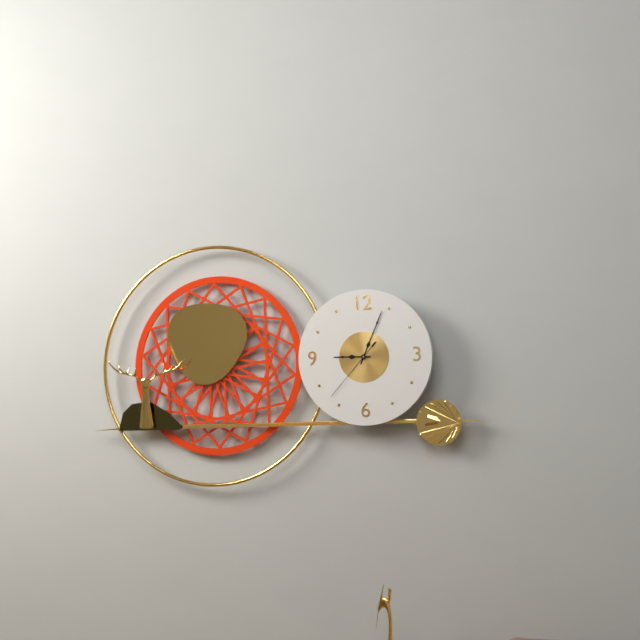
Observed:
9.04.37
